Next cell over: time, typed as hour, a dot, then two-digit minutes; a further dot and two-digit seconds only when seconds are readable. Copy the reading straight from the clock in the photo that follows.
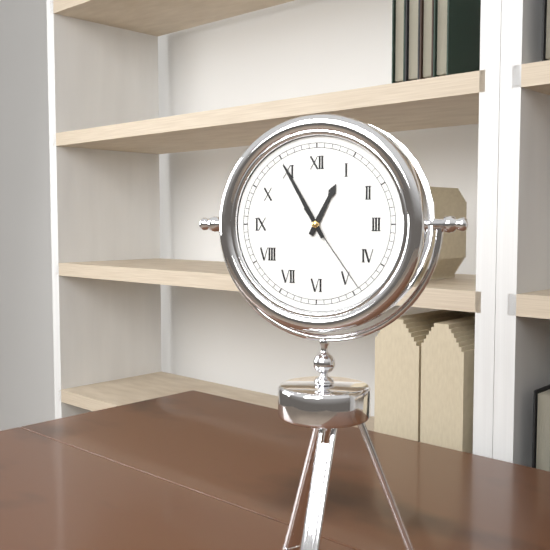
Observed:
12.55.24
